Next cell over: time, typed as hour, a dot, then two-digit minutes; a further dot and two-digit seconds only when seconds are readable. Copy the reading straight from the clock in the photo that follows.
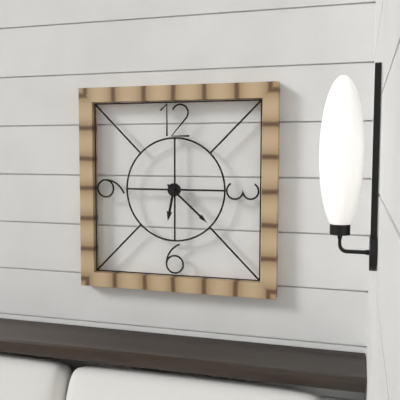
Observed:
6.22
